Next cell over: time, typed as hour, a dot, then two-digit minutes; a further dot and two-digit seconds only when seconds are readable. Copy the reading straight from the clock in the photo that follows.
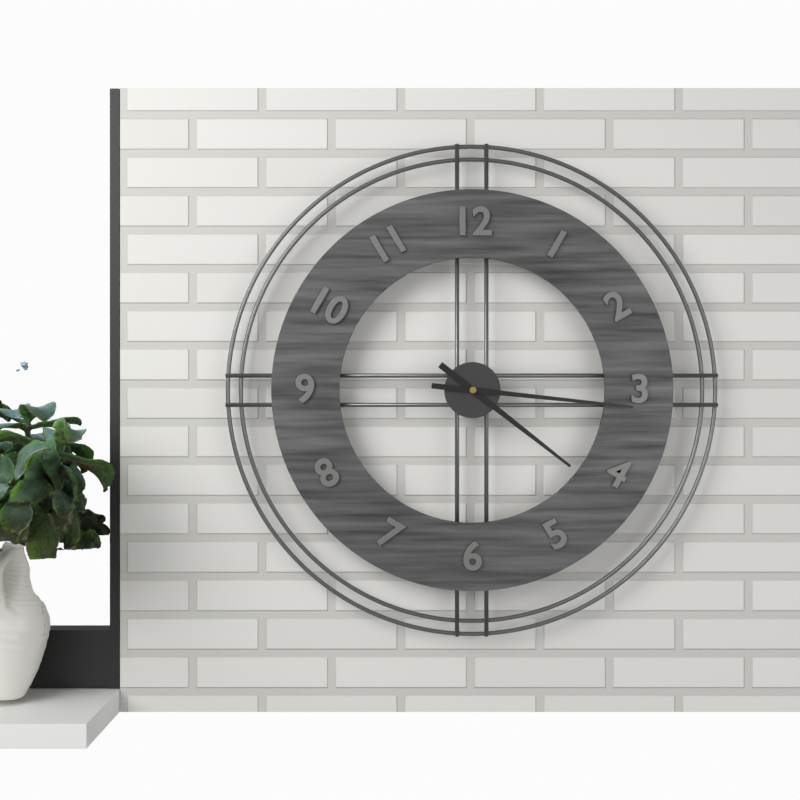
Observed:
4.16
